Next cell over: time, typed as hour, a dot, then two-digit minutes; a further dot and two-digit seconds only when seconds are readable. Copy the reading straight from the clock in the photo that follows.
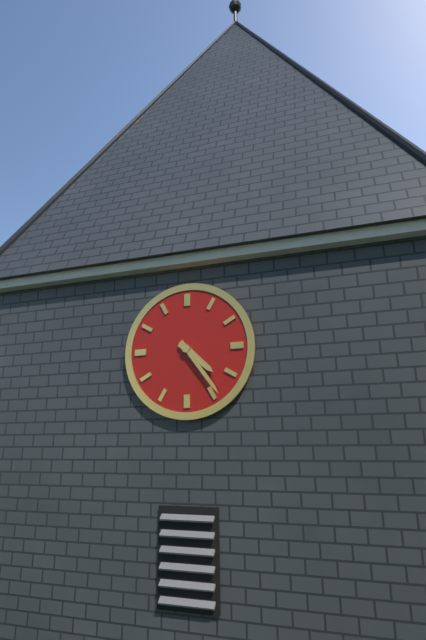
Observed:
4.24
